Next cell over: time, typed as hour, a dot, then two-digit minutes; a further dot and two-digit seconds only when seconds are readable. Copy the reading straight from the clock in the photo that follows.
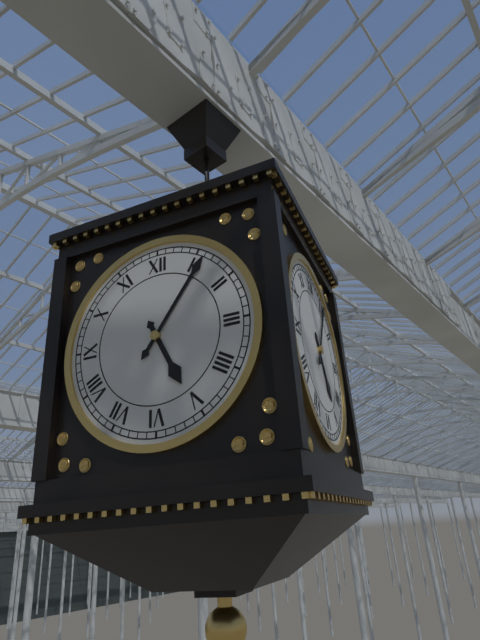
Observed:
5.06
